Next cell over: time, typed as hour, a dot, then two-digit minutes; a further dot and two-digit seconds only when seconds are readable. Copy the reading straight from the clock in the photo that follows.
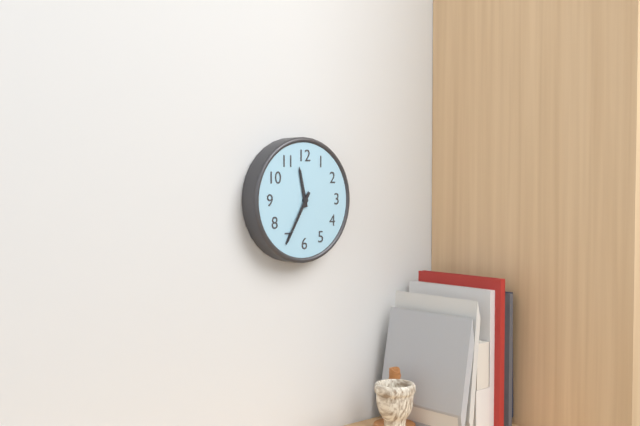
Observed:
11.35
